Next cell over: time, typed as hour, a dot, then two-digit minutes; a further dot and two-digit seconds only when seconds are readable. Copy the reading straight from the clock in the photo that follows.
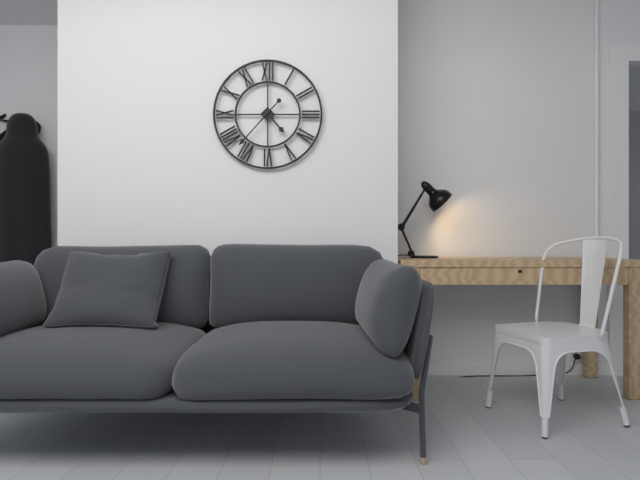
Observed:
4.37
